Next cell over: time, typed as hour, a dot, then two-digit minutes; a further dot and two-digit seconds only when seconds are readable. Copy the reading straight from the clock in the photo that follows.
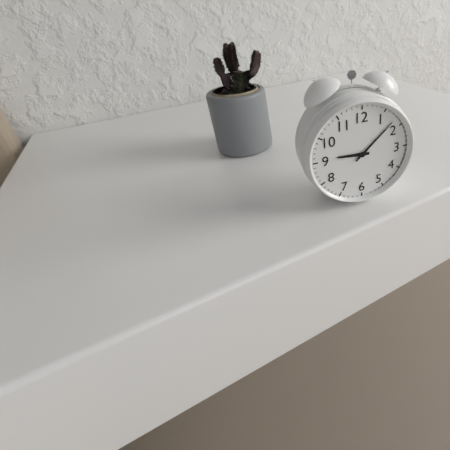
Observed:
9.08
